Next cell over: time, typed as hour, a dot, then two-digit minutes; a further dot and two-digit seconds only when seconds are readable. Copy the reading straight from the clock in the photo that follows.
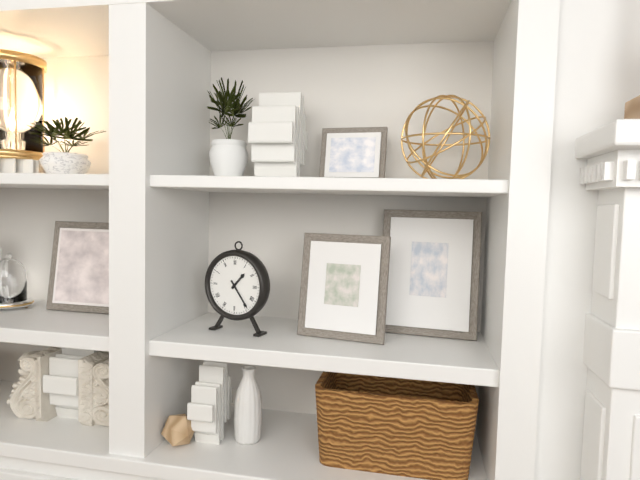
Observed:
1.24
